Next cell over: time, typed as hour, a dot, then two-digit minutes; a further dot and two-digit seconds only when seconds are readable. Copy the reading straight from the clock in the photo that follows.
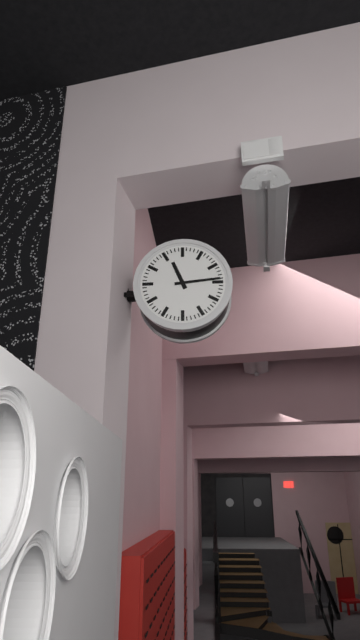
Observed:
11.14
